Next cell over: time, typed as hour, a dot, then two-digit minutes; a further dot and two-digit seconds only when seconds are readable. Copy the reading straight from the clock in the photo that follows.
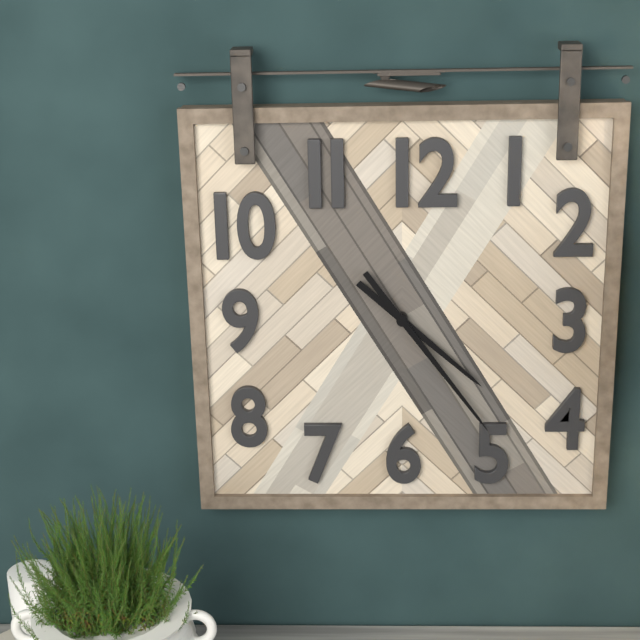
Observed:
4.24
